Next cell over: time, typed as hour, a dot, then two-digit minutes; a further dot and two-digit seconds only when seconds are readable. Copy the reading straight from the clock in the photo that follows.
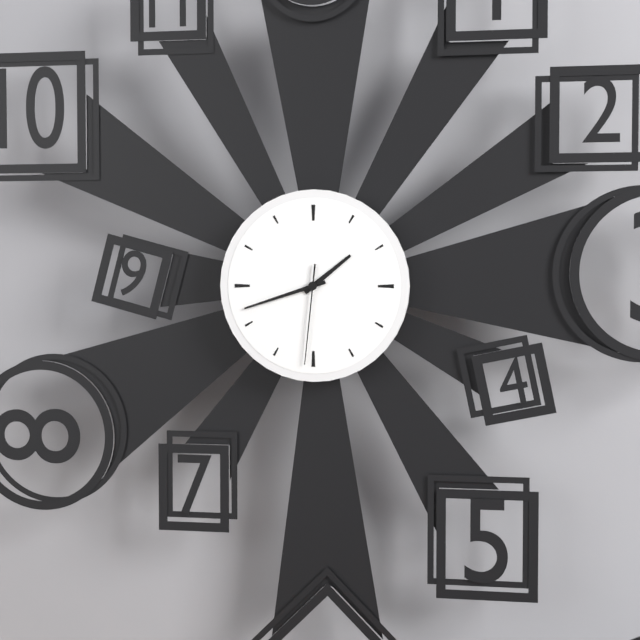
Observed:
1.42.31
